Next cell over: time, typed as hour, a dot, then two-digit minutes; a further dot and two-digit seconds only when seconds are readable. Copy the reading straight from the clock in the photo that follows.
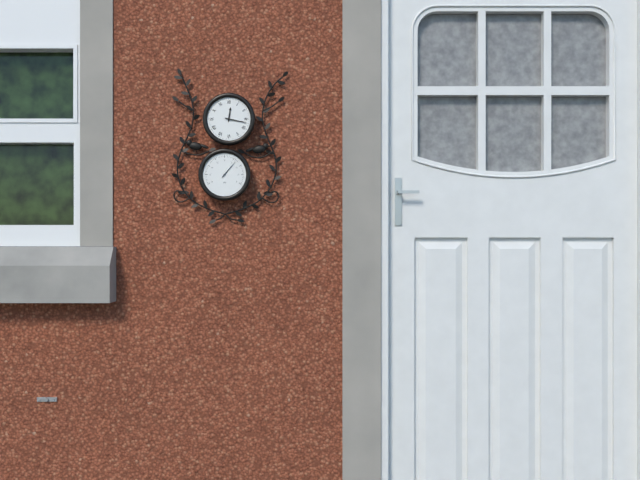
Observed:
12.17
